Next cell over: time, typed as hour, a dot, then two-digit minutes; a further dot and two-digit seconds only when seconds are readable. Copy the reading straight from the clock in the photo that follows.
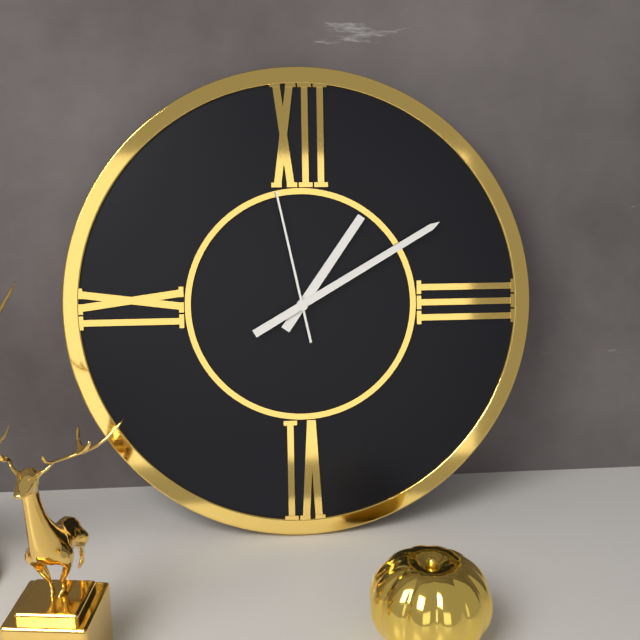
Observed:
1.10.58
